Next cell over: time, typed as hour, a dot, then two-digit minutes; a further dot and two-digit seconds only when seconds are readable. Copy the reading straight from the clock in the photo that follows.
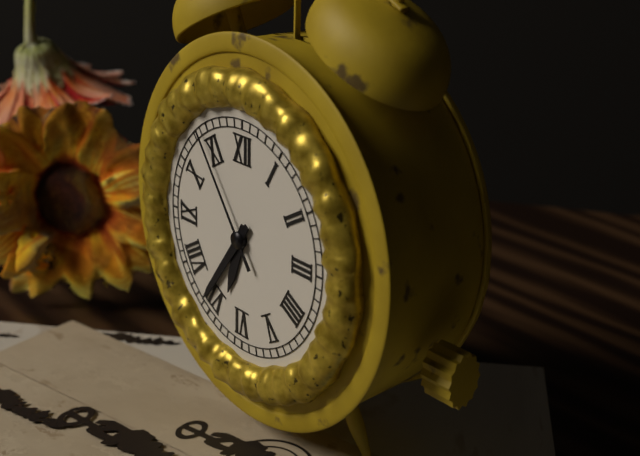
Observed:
6.36.54
